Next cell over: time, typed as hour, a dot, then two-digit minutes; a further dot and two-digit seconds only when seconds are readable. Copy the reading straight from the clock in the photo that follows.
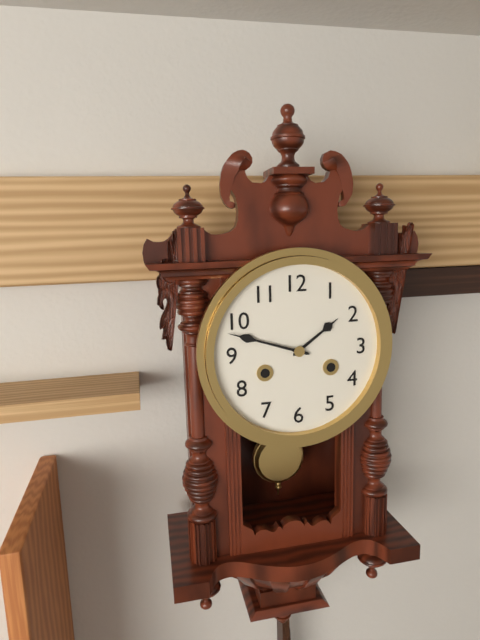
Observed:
1.48
